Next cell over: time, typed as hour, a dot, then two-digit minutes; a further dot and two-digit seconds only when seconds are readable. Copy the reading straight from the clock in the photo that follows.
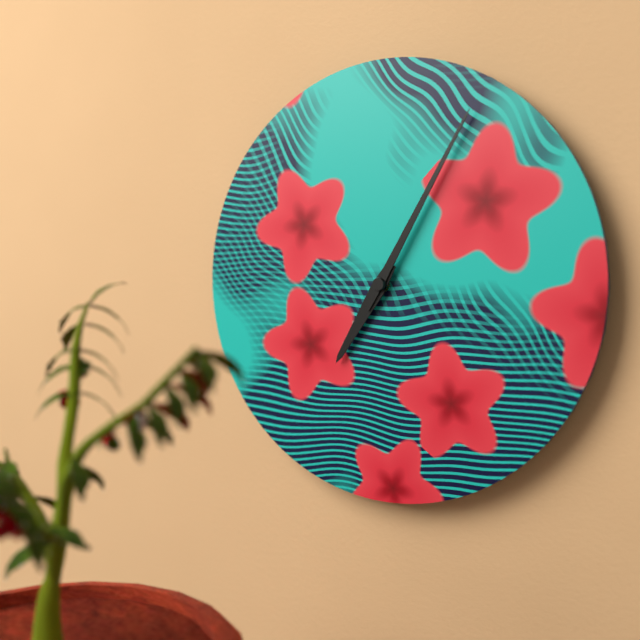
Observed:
7.05
